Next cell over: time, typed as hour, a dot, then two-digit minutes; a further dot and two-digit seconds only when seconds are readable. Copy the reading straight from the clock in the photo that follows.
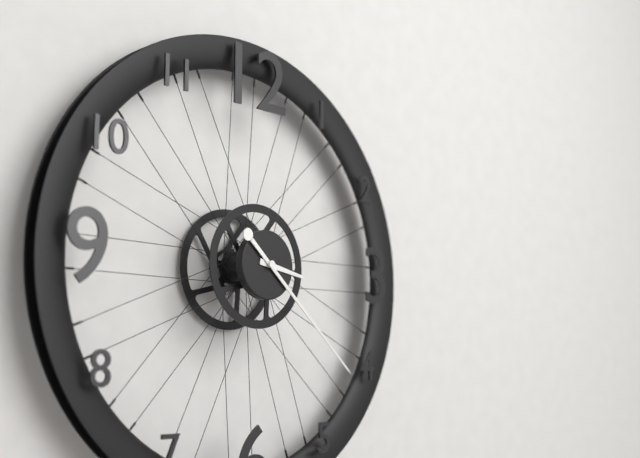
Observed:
3.22
